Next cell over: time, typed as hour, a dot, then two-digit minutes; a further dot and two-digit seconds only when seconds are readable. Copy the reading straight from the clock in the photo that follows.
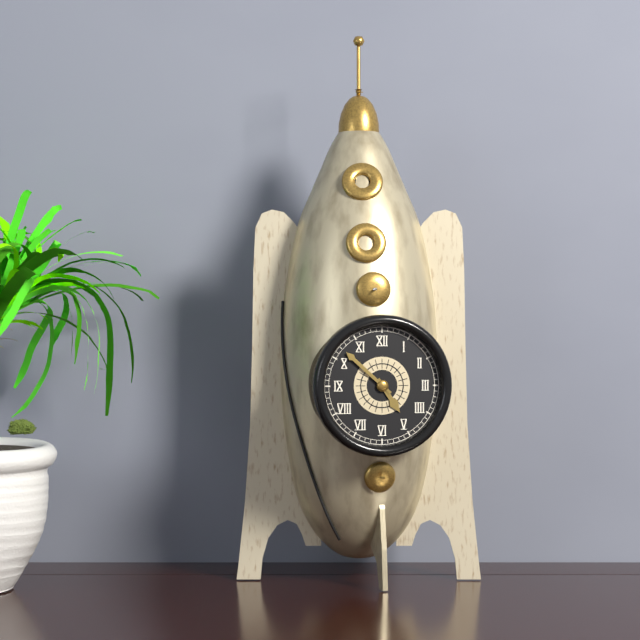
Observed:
4.52
